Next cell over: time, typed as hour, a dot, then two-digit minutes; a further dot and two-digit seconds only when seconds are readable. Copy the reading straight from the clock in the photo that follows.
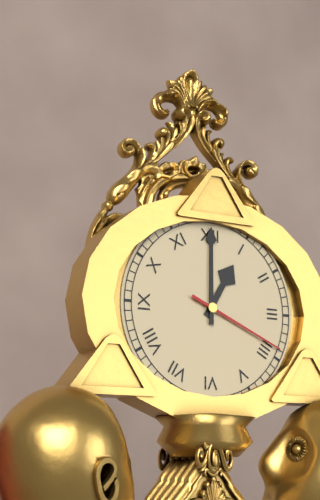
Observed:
1.00.19
